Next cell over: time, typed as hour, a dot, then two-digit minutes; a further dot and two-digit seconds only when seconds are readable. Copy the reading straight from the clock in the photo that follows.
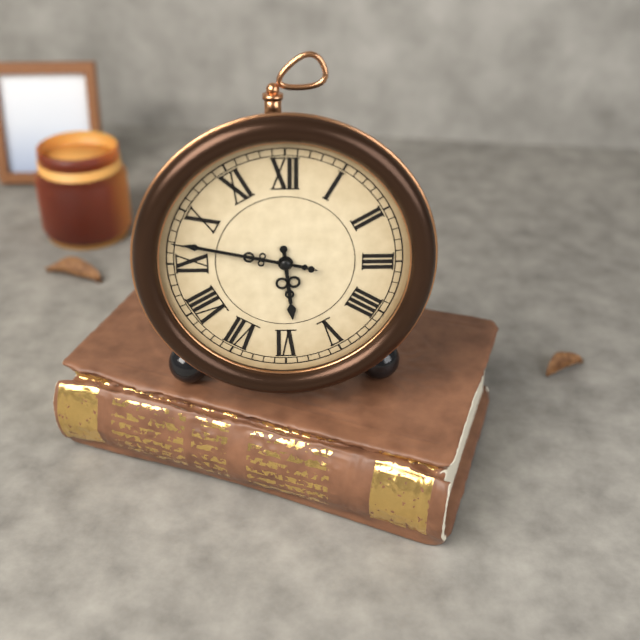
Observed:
5.47.47
